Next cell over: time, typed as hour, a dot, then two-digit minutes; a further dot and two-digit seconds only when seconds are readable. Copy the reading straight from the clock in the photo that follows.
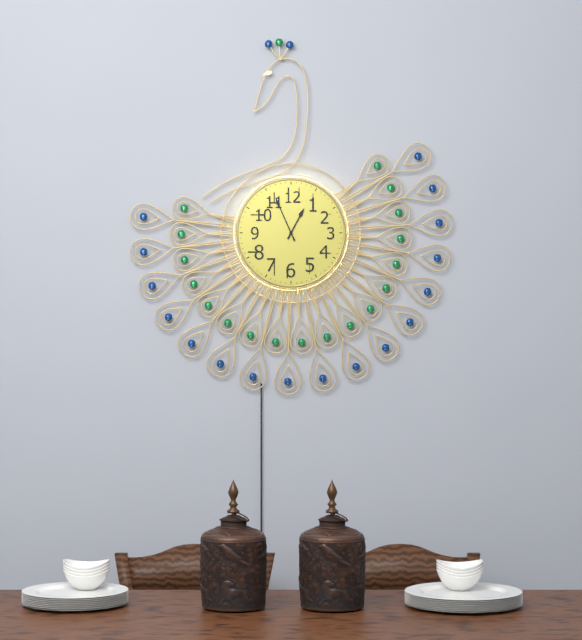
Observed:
12.56
